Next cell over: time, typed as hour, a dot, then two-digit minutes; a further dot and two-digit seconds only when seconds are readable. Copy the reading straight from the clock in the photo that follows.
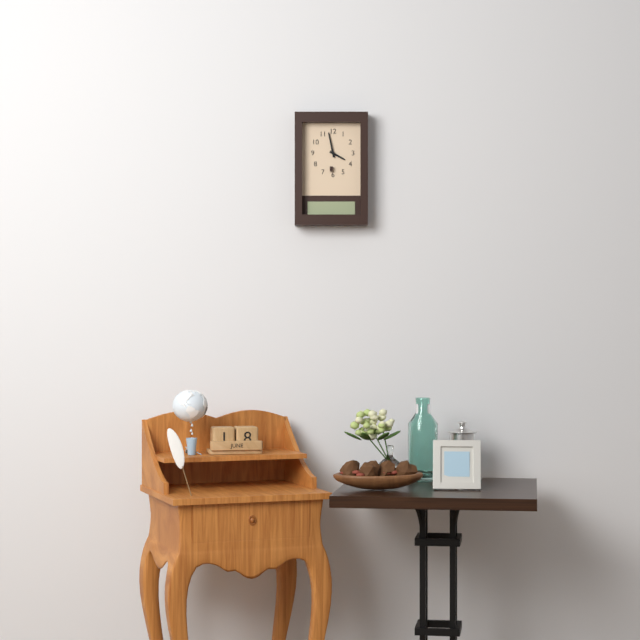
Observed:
3.58
